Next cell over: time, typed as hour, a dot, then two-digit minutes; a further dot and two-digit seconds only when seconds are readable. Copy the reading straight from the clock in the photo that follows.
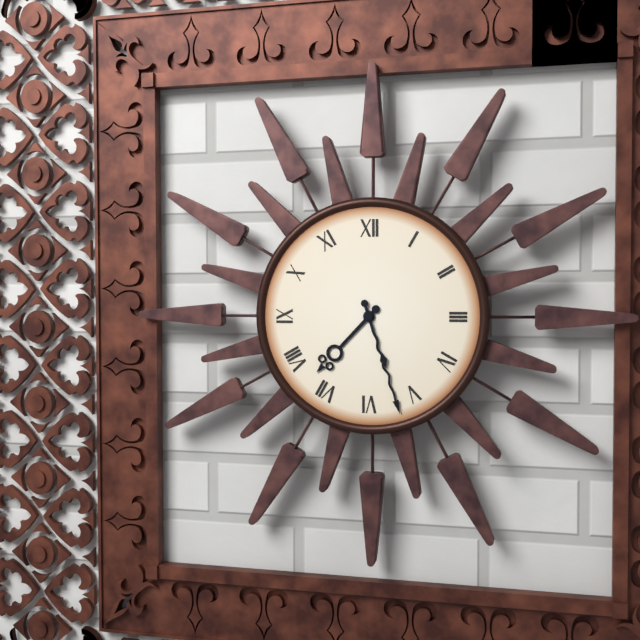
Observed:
7.27
